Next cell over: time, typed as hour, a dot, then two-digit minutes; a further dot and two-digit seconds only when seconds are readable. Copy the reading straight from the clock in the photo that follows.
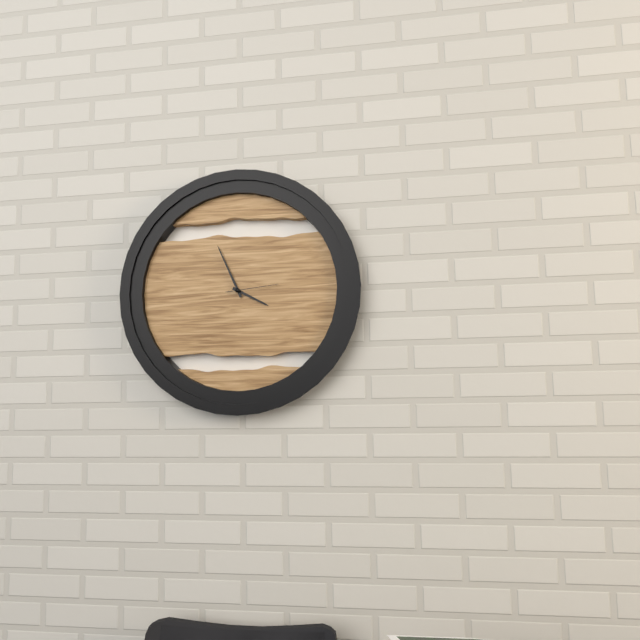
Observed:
3.56
